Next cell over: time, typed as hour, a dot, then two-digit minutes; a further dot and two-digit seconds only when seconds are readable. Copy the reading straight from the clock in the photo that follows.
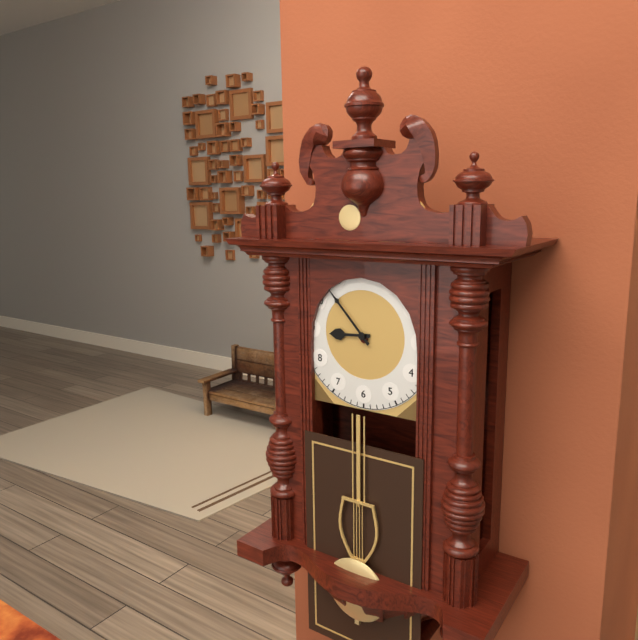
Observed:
8.53
